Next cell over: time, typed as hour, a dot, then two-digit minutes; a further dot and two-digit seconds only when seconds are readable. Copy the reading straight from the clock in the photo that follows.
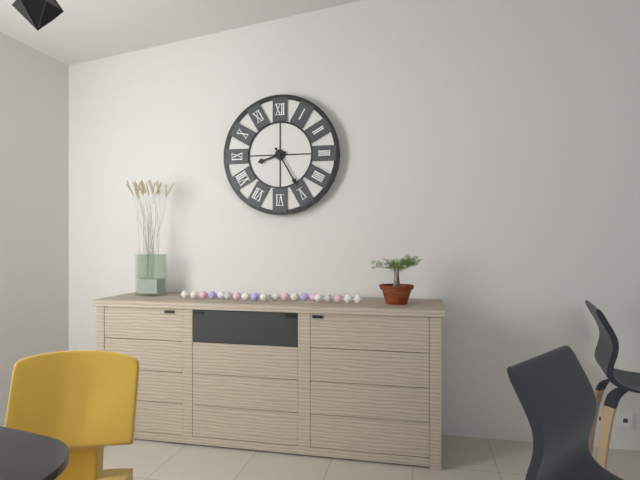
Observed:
8.25
